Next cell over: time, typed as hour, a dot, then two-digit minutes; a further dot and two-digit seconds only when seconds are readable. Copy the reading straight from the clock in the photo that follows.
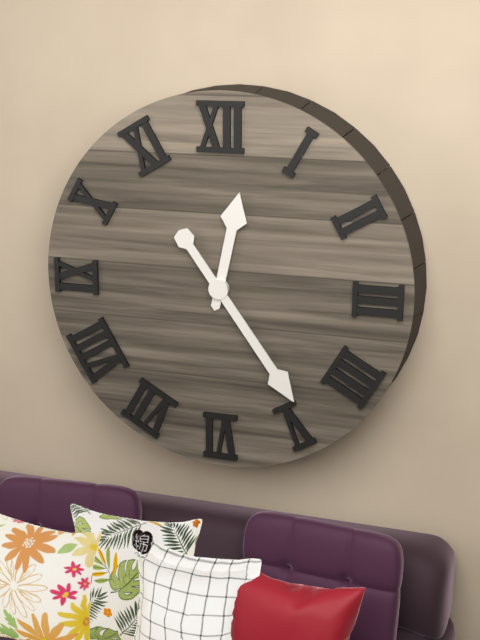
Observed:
12.24
